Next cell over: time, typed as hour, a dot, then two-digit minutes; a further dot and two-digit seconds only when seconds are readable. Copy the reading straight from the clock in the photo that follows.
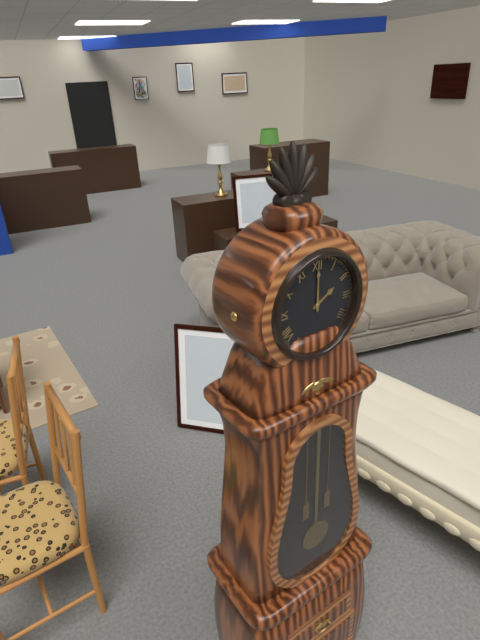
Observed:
2.00
